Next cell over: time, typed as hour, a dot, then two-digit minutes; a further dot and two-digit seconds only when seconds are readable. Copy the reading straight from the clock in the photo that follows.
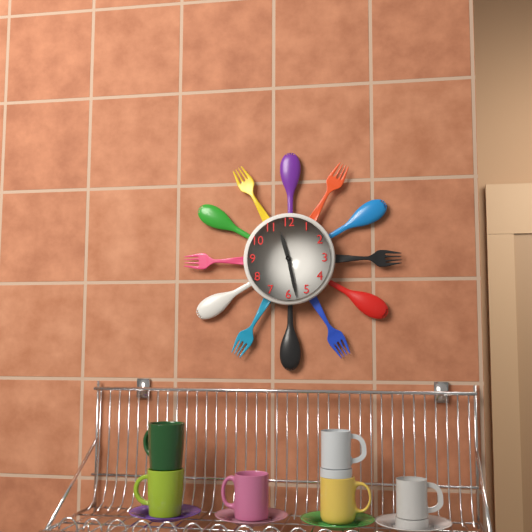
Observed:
11.28
